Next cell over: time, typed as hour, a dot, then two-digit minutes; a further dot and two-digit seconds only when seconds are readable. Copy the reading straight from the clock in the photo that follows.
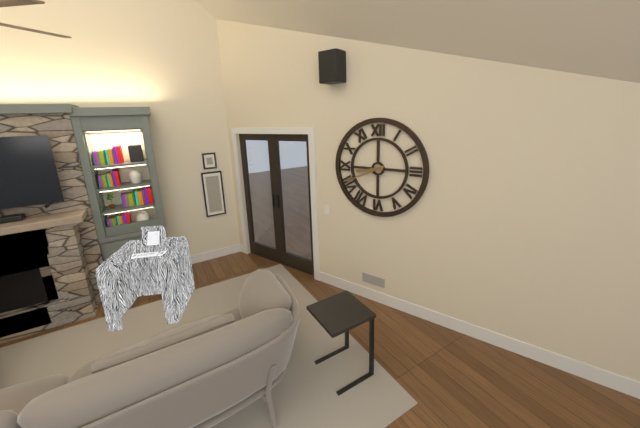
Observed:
8.41
